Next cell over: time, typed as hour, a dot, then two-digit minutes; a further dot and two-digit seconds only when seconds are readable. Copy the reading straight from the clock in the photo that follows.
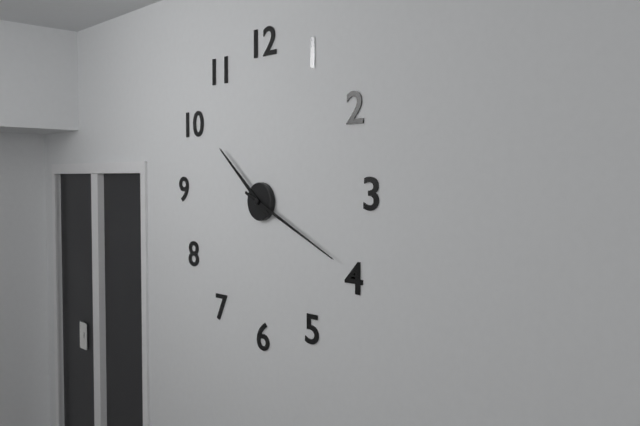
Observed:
10.19
